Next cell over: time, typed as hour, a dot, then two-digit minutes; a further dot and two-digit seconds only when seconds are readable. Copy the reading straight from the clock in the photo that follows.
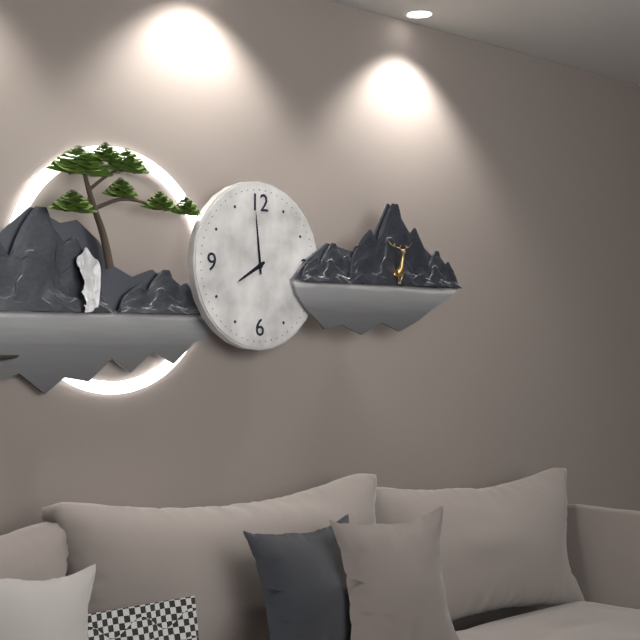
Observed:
7.59
